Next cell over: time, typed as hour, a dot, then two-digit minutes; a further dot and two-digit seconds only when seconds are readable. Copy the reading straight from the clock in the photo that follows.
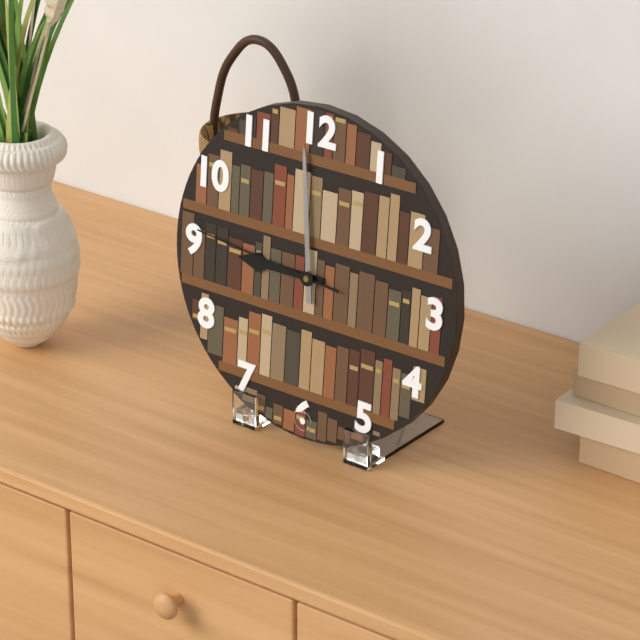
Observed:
8.59.46
